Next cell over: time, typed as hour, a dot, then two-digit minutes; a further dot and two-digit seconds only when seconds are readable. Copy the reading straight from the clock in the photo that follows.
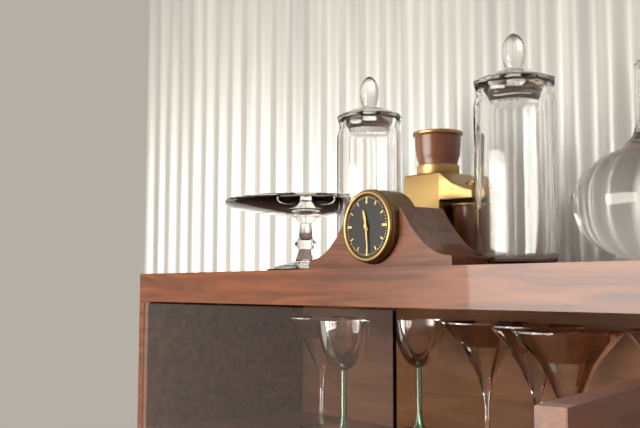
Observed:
11.29
